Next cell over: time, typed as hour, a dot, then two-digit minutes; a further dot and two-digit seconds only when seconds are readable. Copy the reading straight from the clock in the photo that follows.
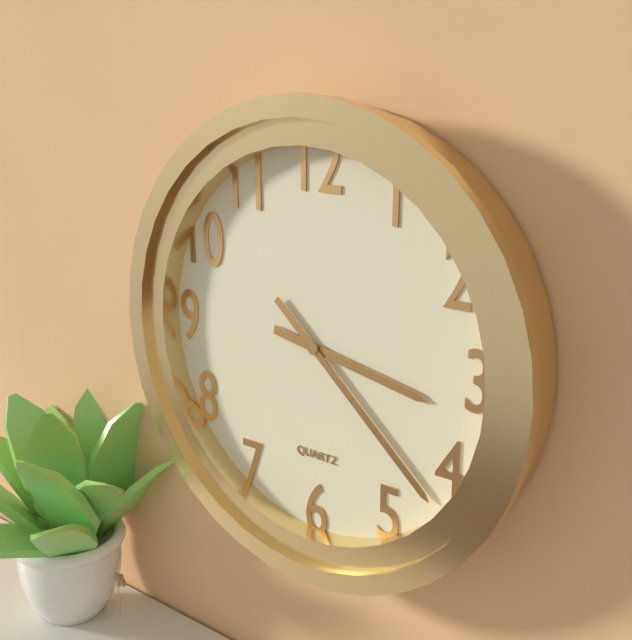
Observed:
3.22
